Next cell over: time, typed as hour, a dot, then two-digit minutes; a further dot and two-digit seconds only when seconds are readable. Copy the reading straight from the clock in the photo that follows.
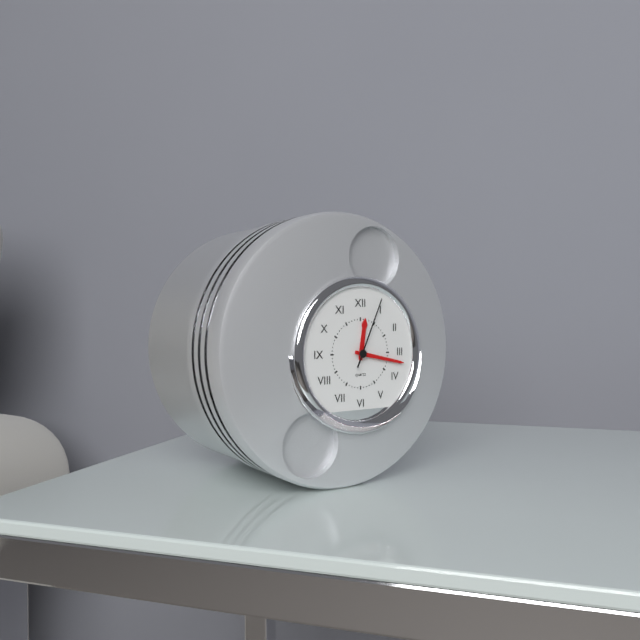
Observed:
12.17.04
